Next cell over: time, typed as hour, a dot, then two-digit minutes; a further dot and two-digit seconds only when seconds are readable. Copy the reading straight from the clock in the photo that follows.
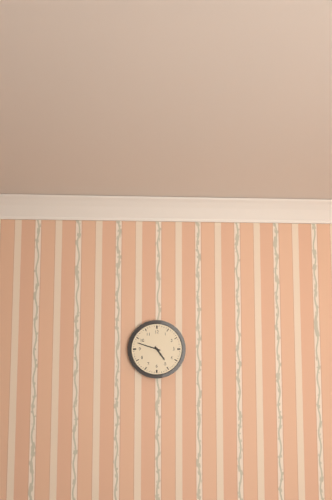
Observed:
4.48
